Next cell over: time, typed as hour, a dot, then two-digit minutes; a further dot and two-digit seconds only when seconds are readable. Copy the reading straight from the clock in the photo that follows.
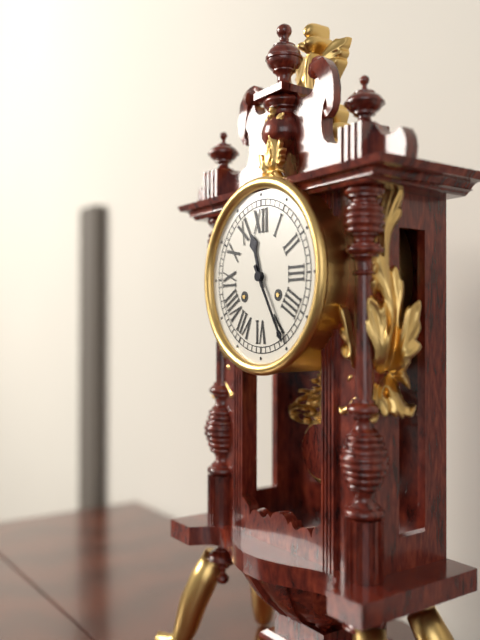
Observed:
11.25
